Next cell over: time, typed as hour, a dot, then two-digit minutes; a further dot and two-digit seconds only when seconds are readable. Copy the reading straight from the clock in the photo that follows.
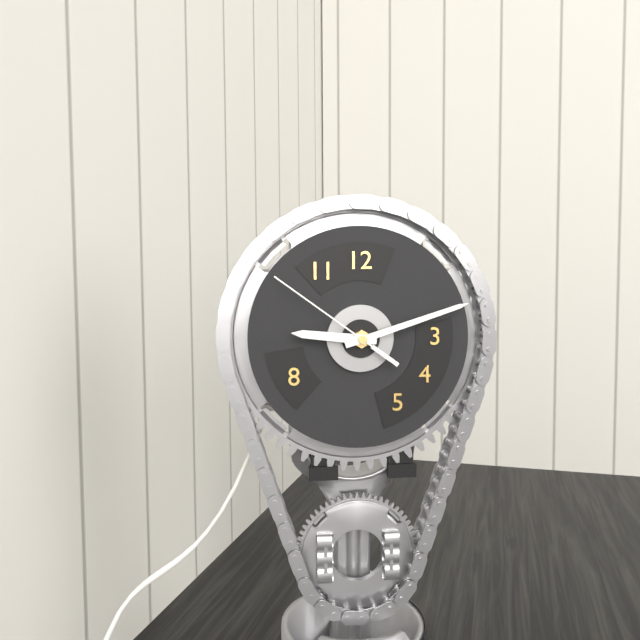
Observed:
9.12.51
